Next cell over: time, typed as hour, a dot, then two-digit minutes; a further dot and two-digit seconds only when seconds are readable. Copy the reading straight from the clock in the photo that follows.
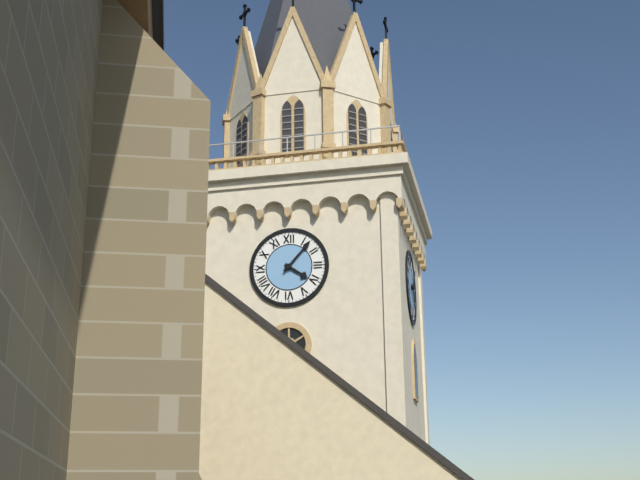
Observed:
4.07
